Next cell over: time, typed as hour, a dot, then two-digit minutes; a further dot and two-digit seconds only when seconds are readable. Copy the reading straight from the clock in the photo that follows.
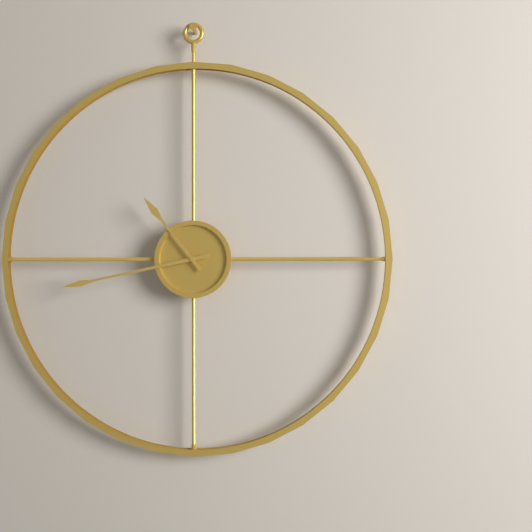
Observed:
10.43
